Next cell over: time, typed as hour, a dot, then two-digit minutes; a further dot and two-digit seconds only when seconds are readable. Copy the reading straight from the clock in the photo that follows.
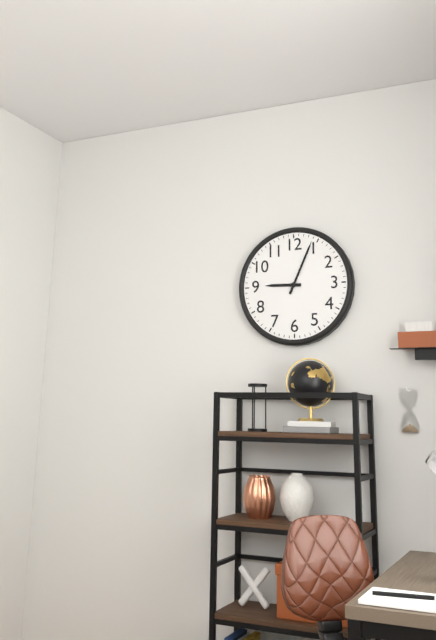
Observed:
9.04
